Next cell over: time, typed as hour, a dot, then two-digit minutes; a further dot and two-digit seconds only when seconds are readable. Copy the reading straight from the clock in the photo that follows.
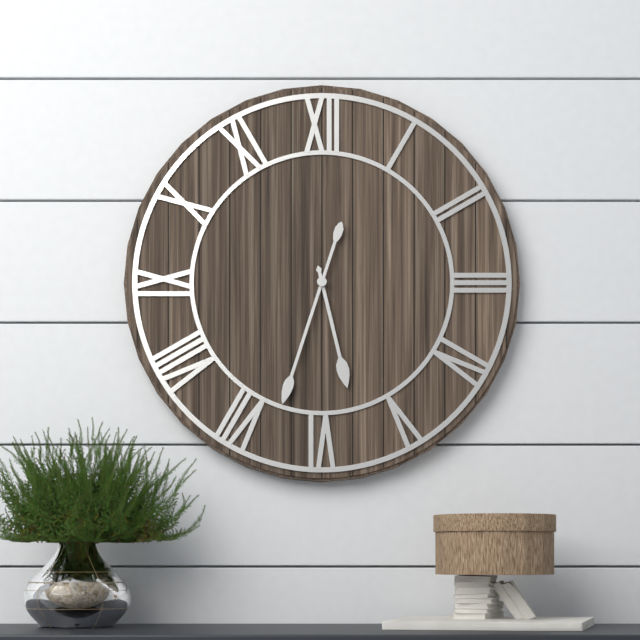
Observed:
5.33
